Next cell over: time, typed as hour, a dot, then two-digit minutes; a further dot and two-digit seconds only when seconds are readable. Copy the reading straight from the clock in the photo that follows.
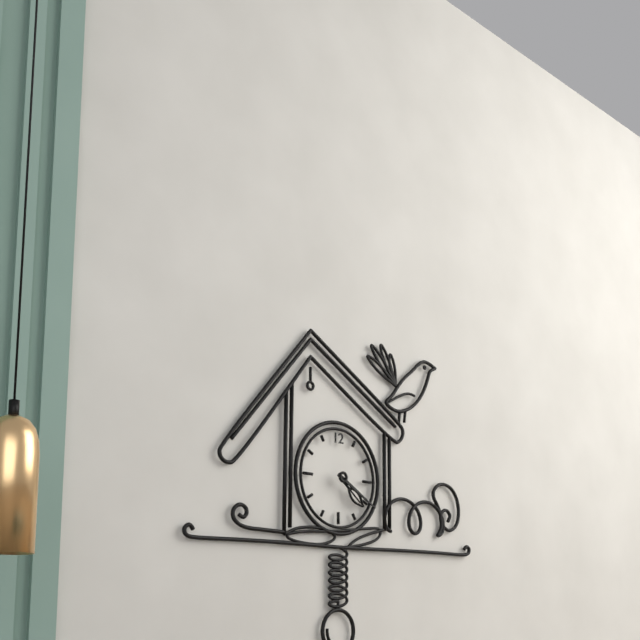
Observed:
4.20
